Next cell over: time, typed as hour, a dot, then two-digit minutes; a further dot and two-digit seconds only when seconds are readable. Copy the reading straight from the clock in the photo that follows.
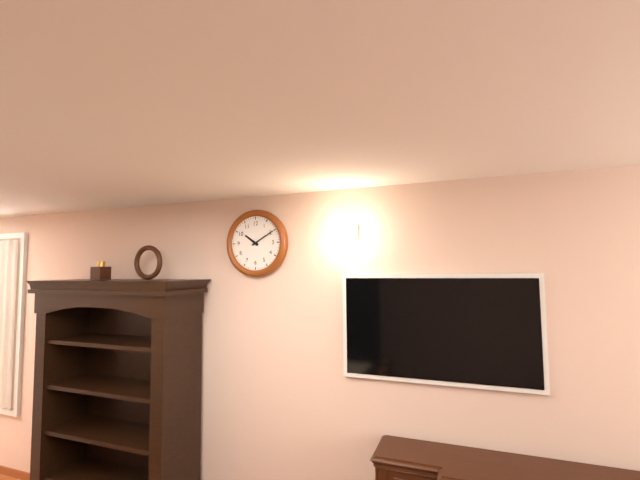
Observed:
10.10
